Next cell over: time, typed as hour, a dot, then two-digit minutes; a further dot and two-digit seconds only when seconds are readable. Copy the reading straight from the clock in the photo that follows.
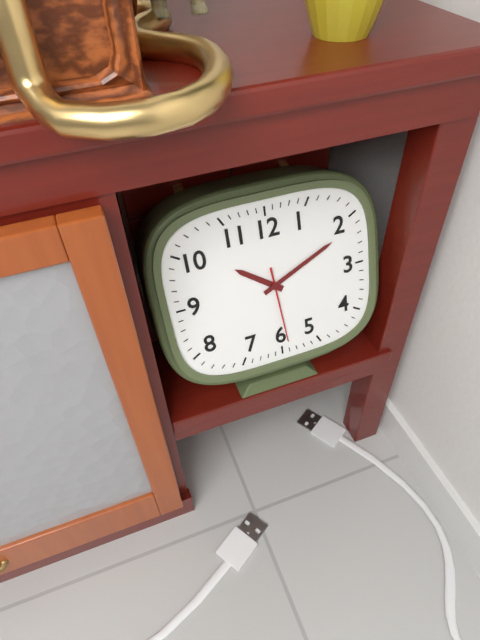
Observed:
10.11.29
